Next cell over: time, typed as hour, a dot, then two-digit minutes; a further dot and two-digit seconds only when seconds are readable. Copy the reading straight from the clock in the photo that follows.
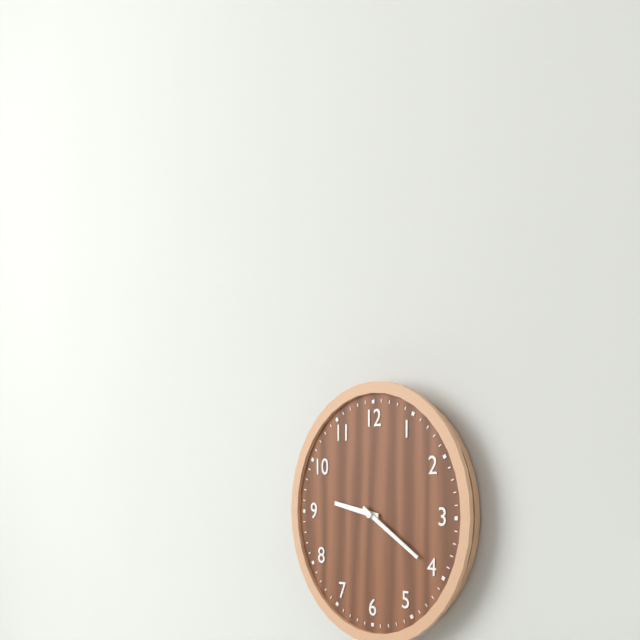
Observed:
9.20
